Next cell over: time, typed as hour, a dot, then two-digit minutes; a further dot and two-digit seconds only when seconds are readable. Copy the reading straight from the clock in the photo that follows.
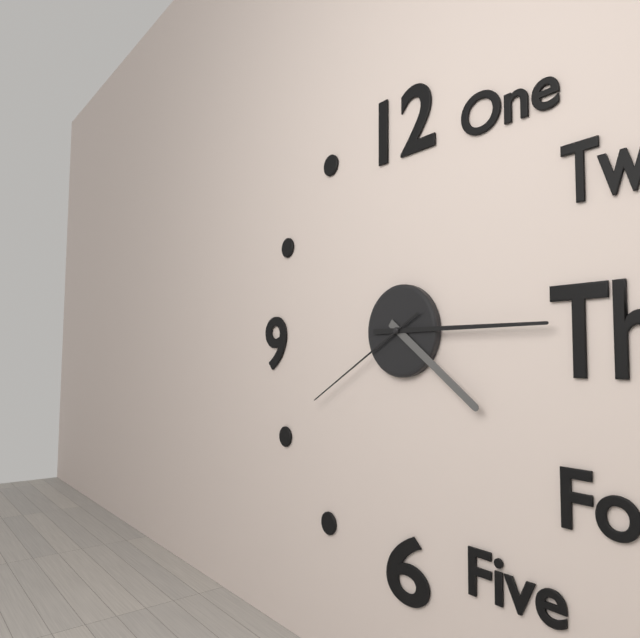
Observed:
4.15.40
